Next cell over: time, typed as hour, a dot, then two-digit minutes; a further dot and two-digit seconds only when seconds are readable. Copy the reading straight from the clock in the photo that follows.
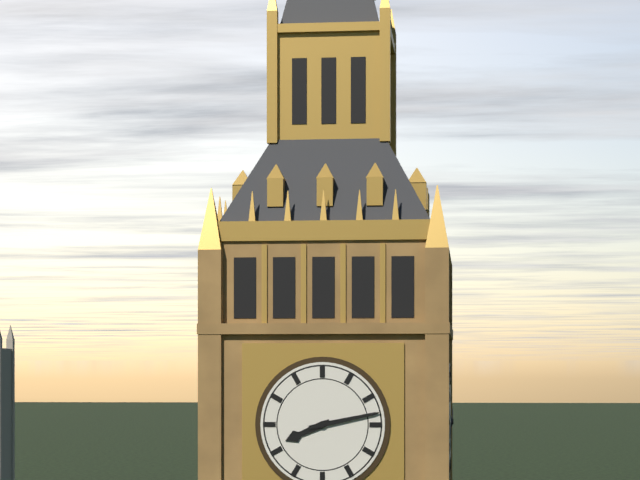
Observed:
8.13
